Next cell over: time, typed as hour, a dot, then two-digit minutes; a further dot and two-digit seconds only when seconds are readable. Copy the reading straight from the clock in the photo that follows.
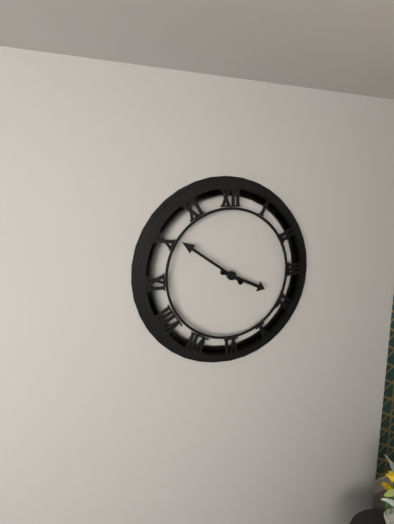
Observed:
3.51
